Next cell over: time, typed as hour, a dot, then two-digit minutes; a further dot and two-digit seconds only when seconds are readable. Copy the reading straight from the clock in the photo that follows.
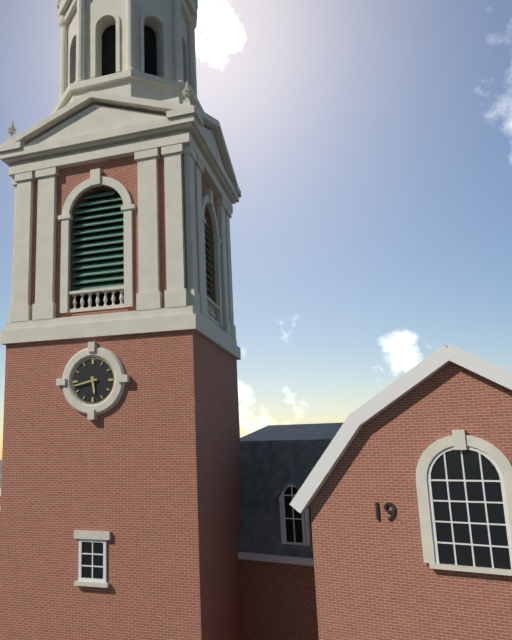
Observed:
5.43
